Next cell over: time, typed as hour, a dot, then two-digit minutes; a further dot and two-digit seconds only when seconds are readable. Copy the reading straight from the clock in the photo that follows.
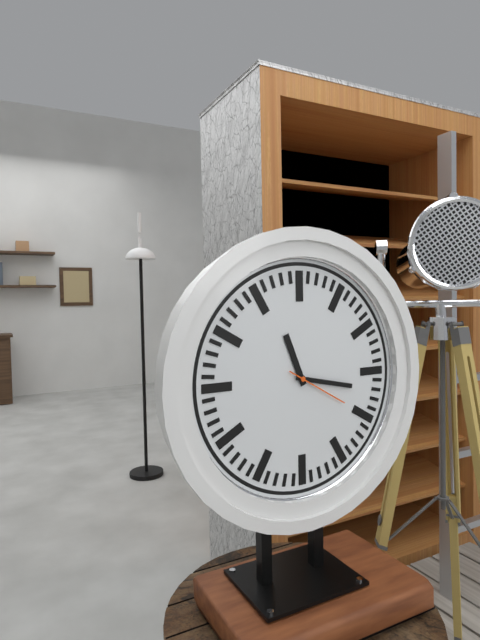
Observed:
11.17.20
